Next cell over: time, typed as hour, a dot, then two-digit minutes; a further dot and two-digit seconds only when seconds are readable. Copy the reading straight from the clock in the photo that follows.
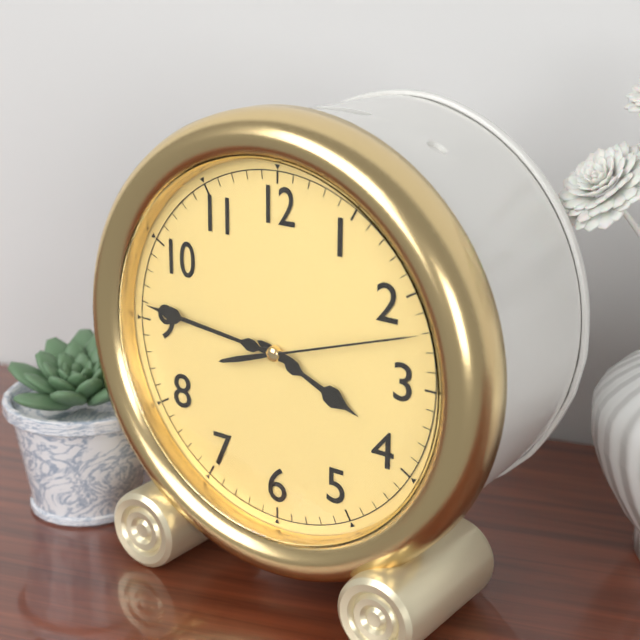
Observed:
3.46.12
